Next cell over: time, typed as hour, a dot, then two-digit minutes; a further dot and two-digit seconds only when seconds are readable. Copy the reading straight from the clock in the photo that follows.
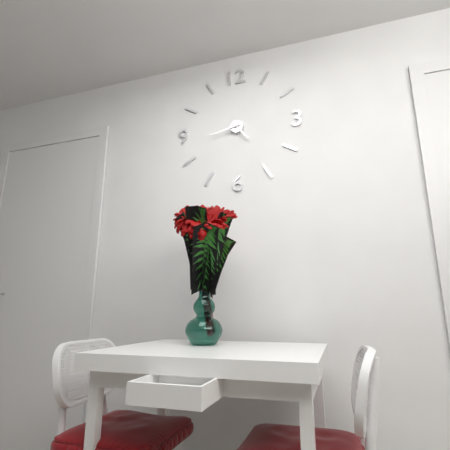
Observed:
4.43
